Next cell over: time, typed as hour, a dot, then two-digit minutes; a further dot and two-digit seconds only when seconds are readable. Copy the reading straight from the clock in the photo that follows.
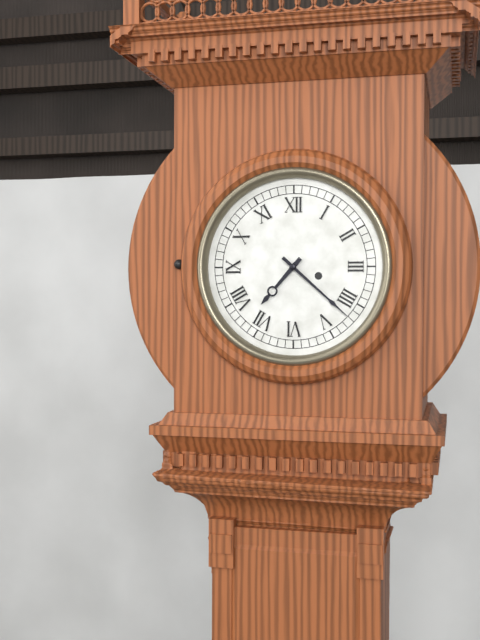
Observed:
7.22
